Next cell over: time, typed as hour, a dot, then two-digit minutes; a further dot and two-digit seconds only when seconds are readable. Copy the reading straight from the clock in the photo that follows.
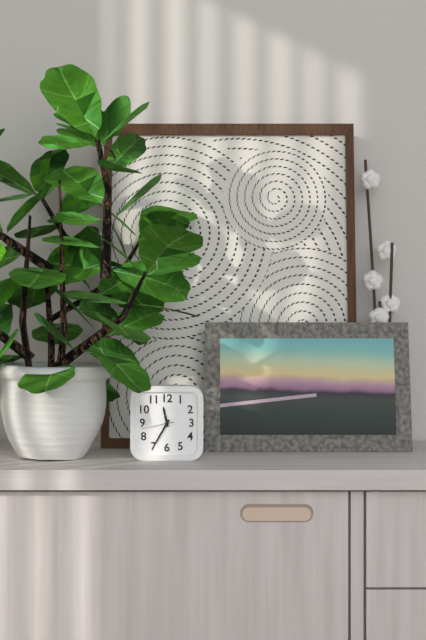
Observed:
11.35
